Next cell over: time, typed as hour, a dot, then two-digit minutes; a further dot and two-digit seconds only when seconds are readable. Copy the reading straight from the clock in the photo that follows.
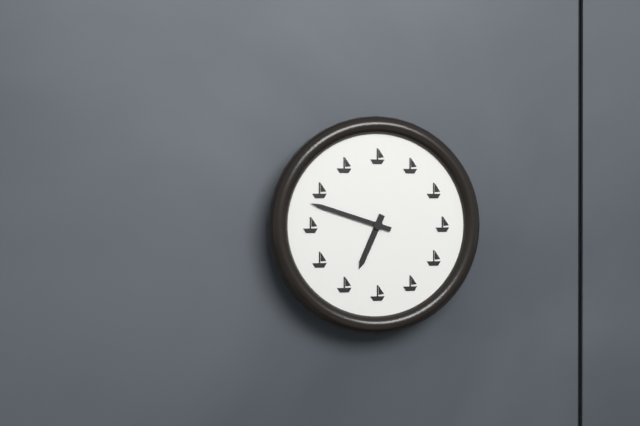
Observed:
6.48
